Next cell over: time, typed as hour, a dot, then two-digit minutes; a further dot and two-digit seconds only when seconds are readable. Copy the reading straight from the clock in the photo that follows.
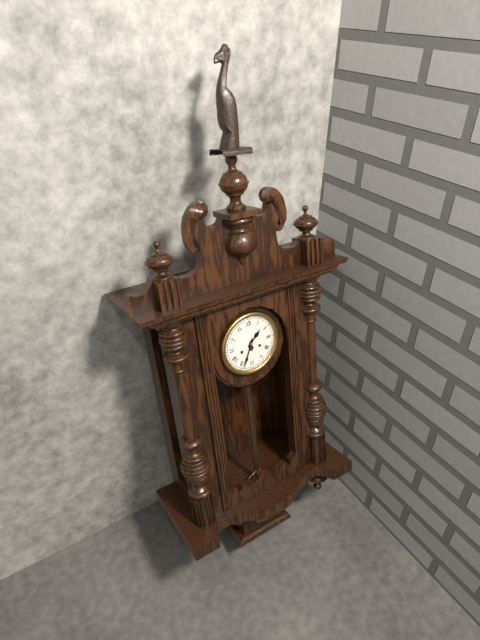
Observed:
1.34
